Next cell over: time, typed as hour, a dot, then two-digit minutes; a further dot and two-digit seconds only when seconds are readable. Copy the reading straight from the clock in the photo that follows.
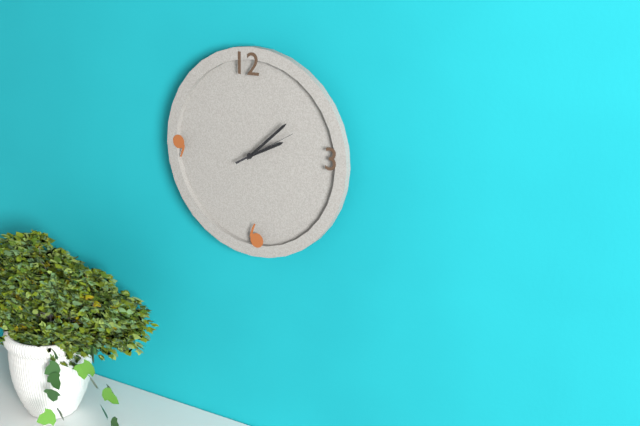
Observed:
2.08.10
